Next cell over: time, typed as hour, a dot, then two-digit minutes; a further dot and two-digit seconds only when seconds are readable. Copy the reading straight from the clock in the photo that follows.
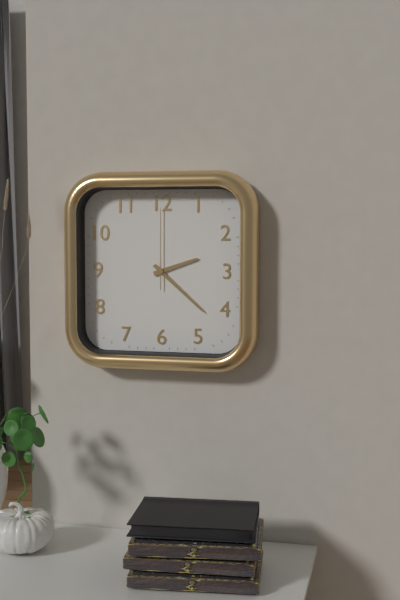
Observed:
2.22.00
